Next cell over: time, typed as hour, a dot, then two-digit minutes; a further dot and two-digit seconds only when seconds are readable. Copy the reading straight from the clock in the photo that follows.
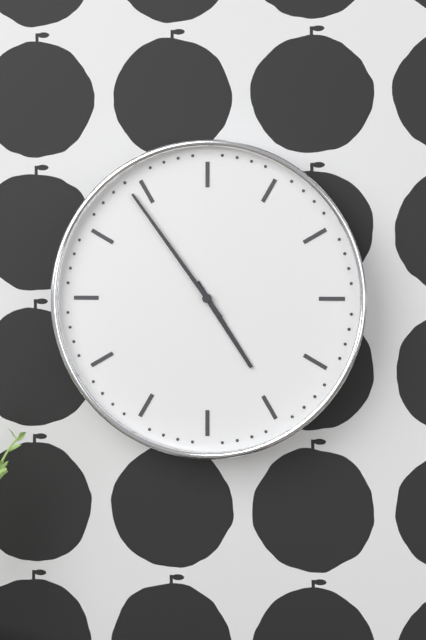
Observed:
4.54
